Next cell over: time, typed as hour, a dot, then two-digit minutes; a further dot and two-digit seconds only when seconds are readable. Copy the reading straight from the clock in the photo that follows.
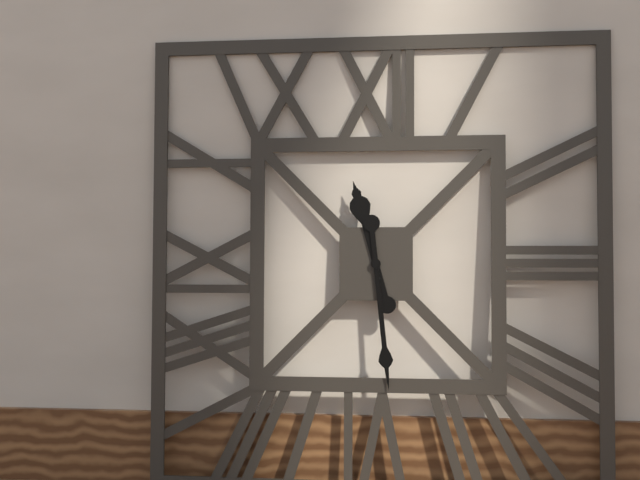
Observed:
11.29
